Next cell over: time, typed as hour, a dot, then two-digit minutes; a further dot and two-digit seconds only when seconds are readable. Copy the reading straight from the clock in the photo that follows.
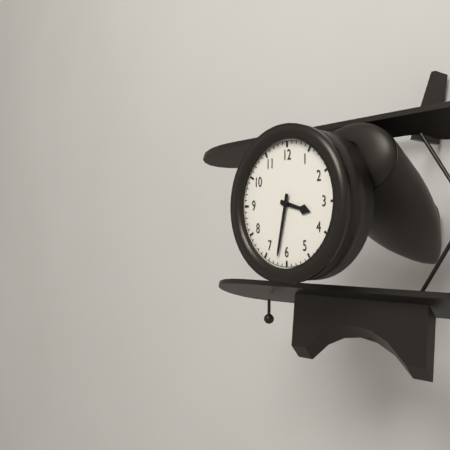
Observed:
3.32
